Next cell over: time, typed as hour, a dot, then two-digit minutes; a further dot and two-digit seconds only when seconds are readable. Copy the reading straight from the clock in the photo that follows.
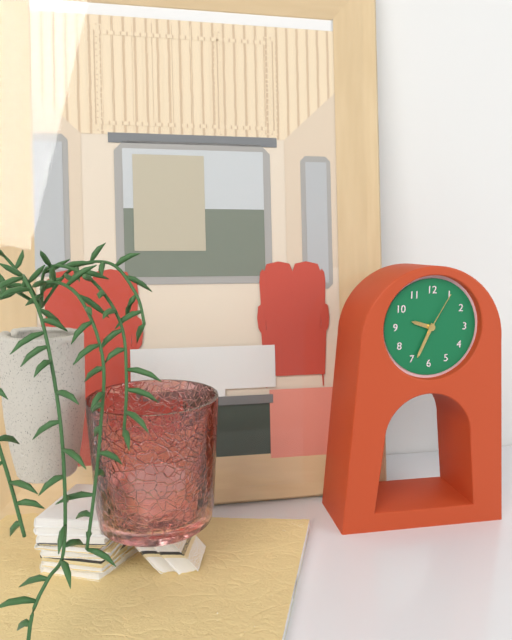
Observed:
9.34
